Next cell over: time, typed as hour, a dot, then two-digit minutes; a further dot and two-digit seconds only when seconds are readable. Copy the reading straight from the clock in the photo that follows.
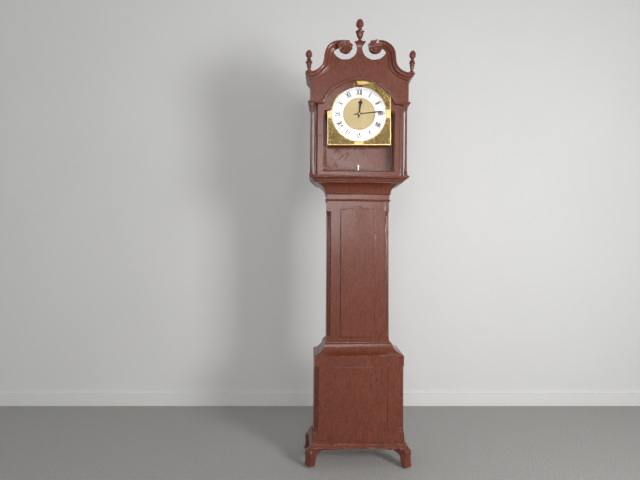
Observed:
12.14
